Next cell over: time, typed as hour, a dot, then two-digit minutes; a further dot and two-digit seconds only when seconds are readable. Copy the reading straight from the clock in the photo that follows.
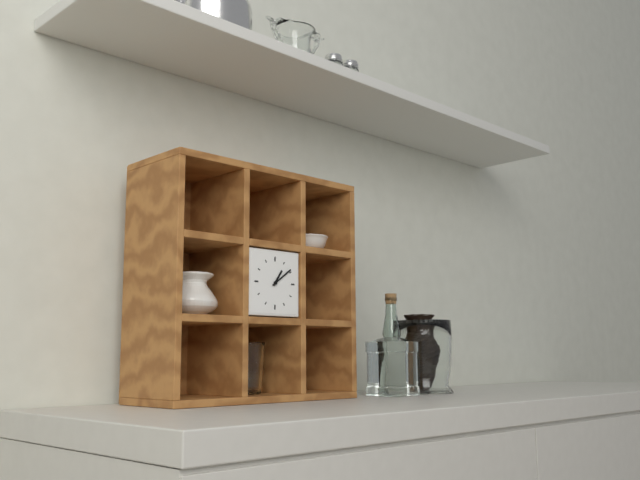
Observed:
1.09
